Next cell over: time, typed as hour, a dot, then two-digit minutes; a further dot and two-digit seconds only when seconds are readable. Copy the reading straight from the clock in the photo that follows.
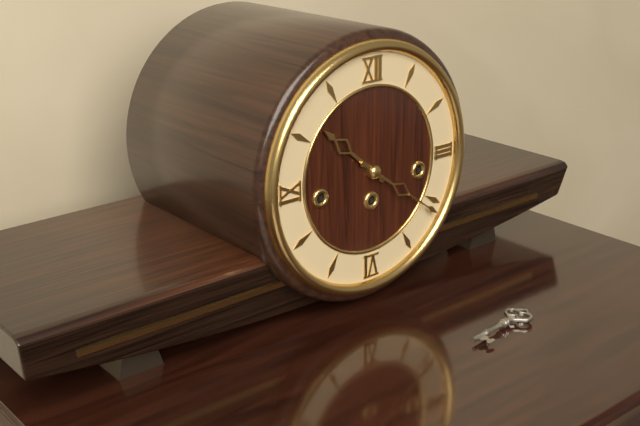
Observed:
10.21
